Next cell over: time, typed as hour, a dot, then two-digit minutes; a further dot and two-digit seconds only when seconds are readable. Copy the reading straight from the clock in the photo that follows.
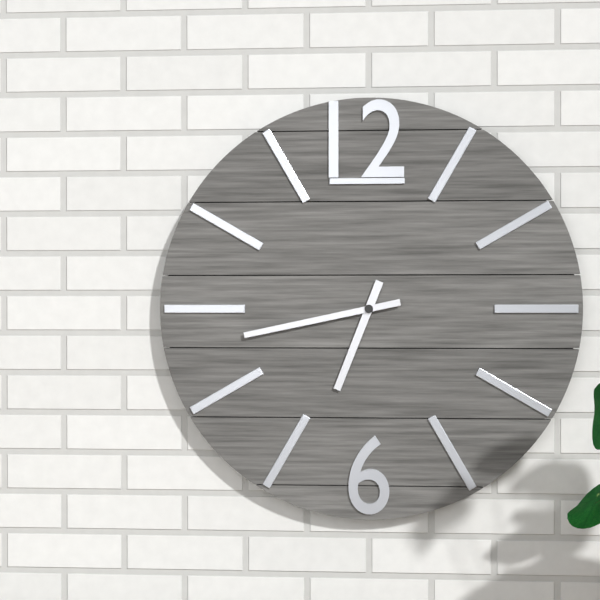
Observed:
6.43
